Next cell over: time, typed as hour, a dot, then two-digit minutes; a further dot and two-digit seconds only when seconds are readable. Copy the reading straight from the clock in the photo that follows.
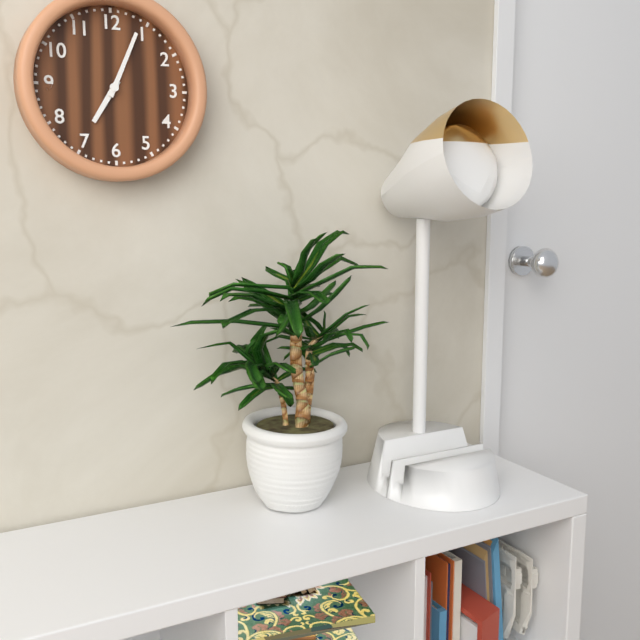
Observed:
7.04
